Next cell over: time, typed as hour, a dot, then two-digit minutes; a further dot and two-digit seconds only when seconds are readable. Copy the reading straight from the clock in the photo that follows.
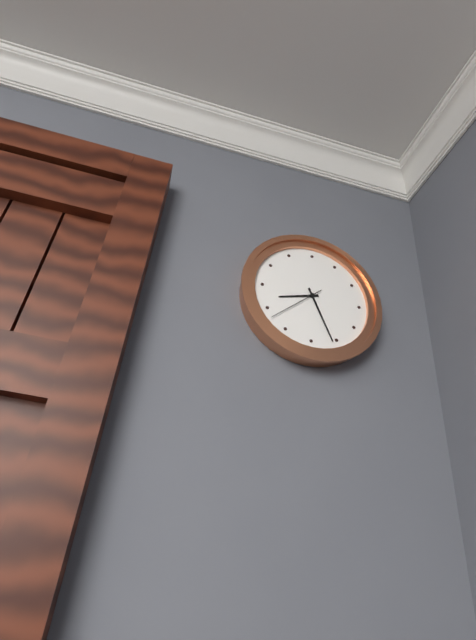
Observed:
8.26.38
